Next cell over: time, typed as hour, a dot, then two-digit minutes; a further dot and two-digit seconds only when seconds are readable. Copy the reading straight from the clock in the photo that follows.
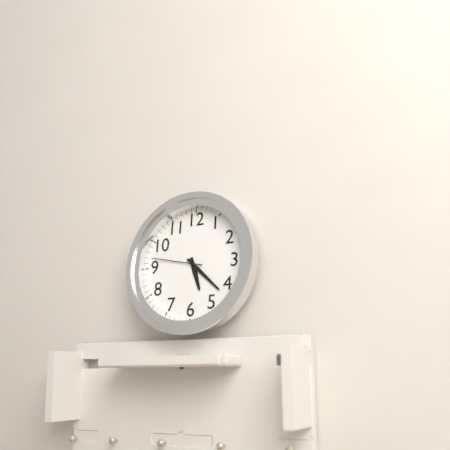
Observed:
5.22.47
